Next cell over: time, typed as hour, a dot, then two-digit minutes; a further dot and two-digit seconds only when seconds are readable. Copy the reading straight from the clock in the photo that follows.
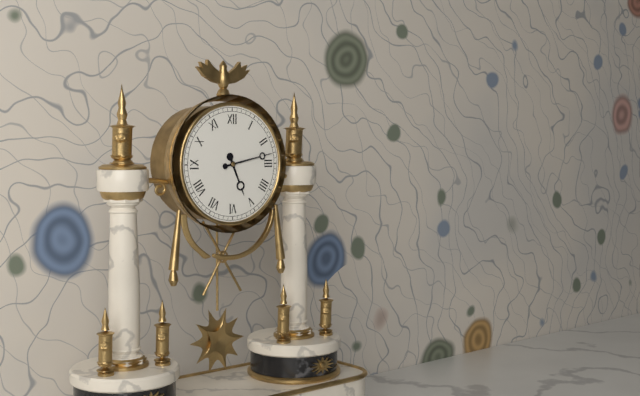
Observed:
5.13
